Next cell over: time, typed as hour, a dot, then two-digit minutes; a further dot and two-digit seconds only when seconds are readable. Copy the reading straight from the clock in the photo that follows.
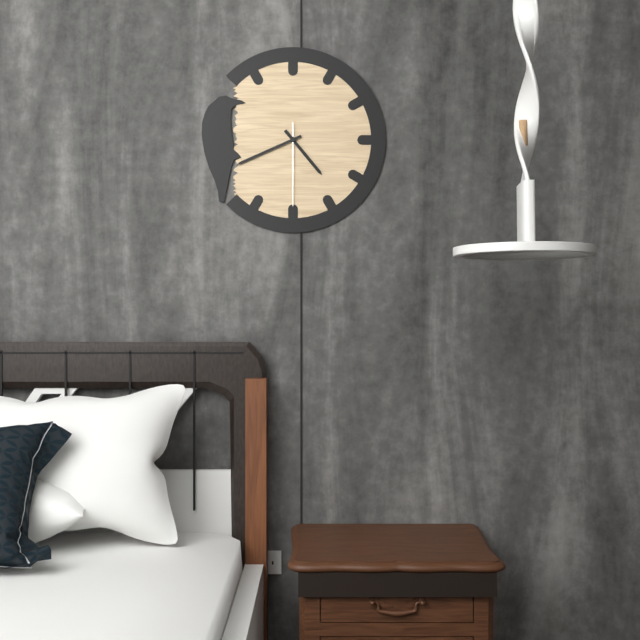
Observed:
4.41.30
